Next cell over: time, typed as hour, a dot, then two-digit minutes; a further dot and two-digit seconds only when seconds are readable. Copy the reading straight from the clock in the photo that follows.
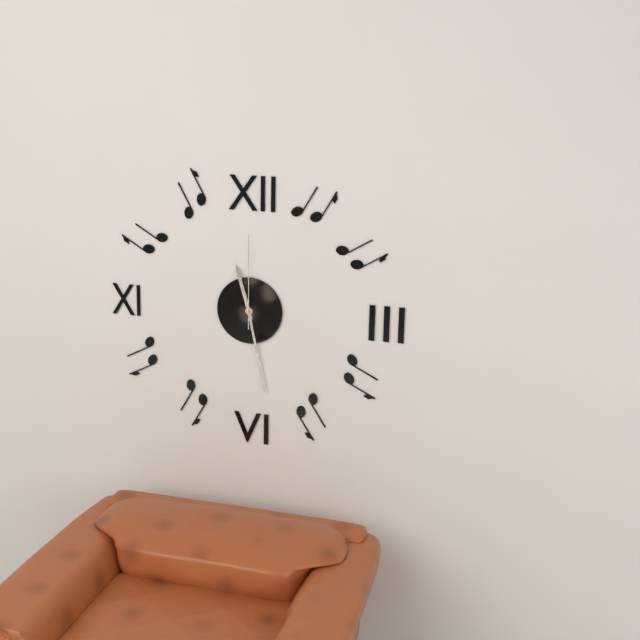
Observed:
11.28.00
